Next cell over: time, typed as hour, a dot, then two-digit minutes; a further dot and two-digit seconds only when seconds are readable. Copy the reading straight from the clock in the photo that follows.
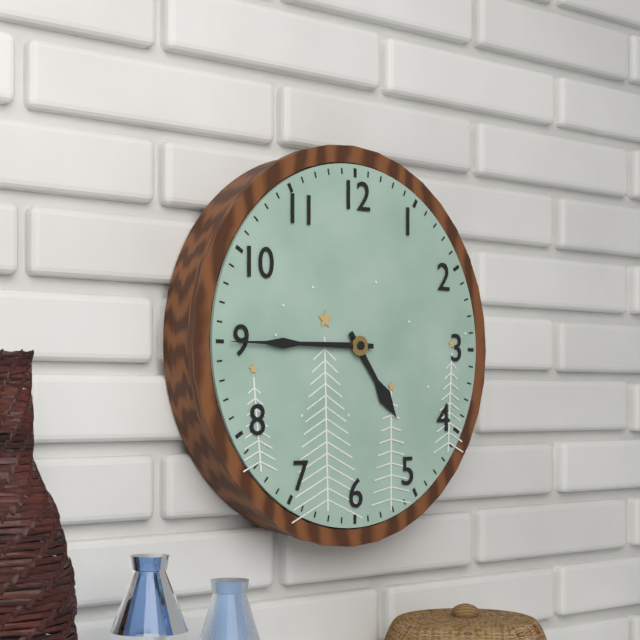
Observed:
4.45
